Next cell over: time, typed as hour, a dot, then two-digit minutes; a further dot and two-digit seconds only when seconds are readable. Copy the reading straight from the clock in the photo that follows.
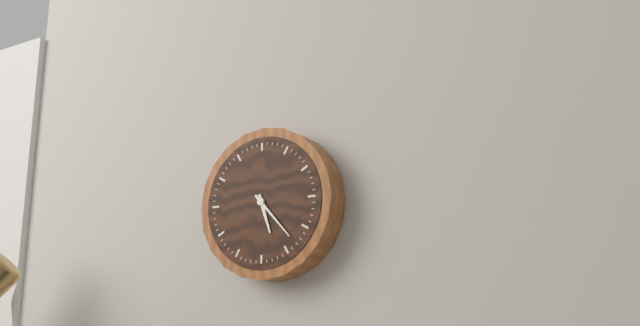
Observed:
5.23
